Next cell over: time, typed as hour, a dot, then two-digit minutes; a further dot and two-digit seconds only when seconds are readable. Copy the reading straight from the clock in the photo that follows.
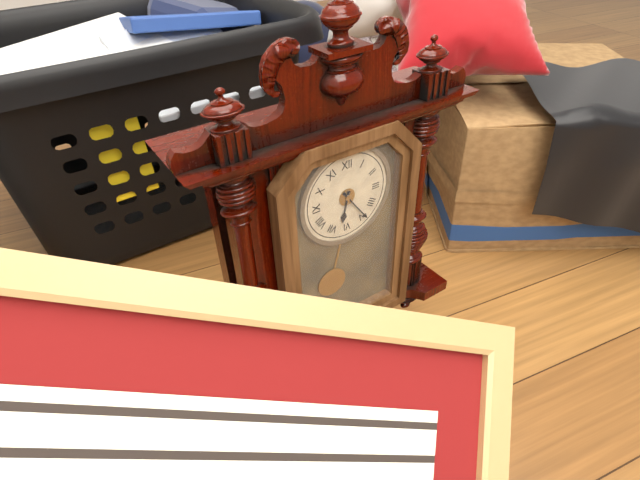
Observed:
6.24
